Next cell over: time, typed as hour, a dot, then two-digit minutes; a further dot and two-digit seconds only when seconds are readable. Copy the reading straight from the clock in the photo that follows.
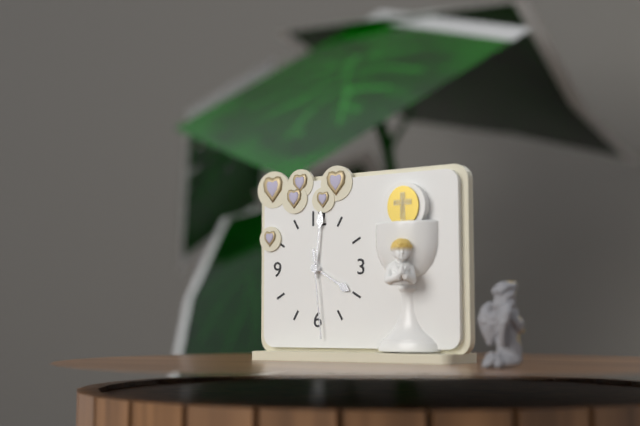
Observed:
4.01.29
